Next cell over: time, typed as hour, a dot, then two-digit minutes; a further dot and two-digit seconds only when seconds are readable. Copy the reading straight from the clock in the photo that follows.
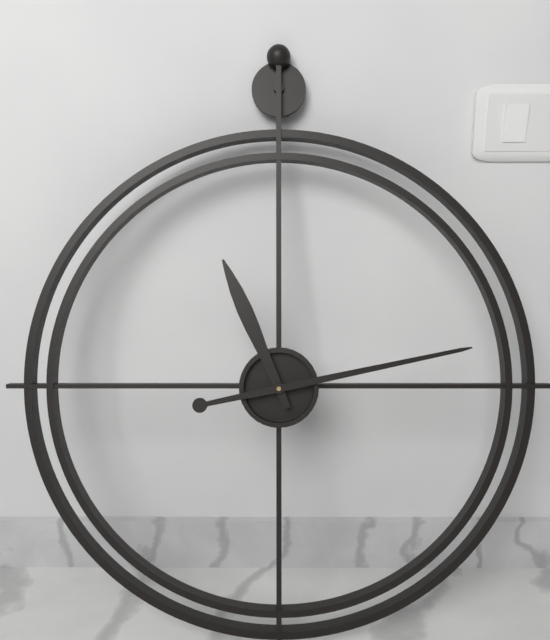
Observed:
11.13
